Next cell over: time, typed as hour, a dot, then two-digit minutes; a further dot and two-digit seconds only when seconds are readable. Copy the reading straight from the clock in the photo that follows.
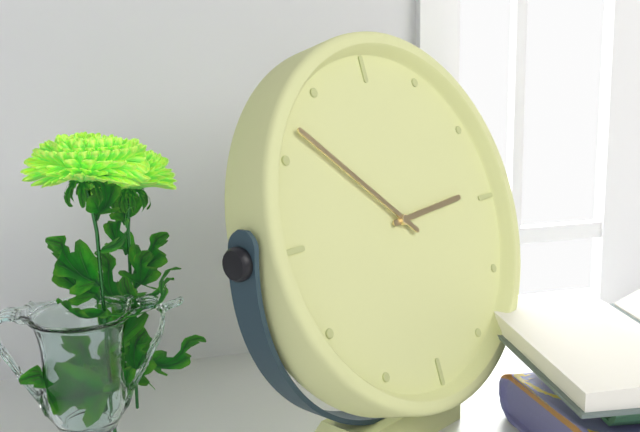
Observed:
2.52
